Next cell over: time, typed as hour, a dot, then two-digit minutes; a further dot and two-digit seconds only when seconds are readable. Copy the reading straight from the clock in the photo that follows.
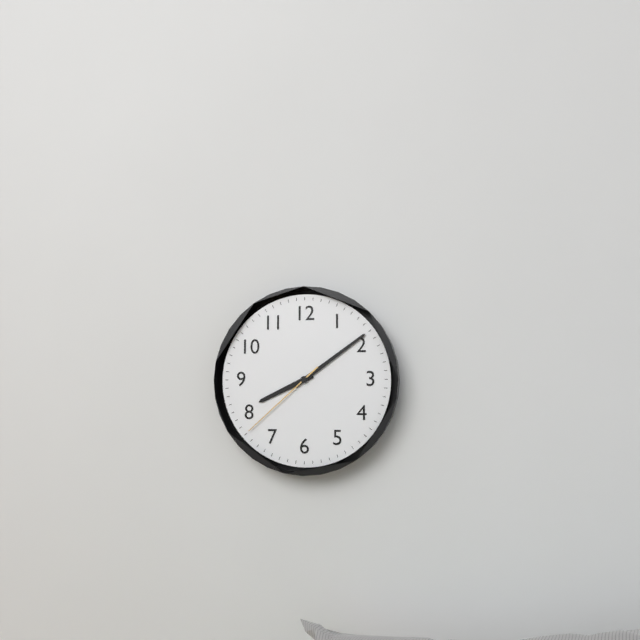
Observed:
8.09.38
